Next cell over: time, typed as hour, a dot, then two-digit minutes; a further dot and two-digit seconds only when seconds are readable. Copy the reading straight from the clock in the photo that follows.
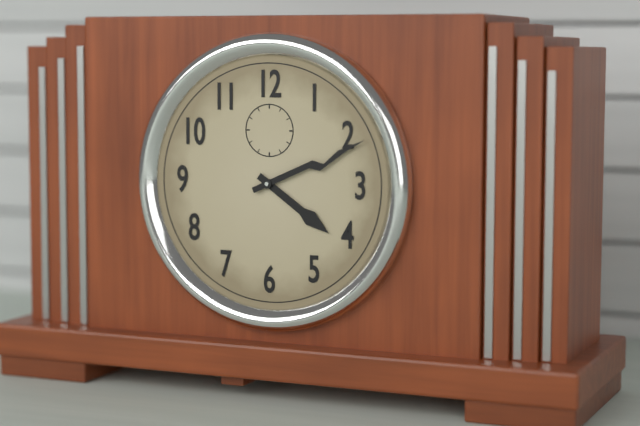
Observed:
4.11
